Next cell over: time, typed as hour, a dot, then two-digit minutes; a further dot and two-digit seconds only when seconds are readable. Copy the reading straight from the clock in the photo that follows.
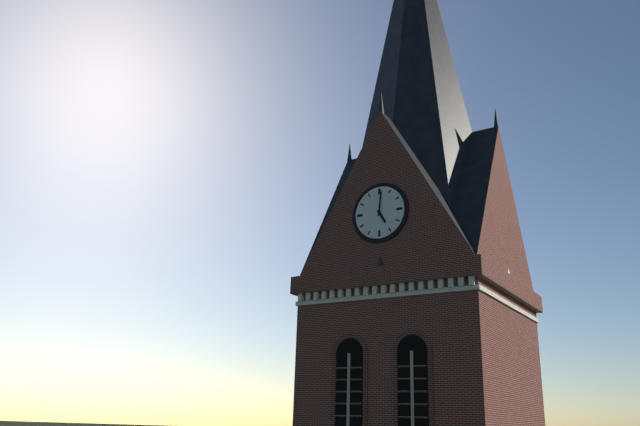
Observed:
5.01
